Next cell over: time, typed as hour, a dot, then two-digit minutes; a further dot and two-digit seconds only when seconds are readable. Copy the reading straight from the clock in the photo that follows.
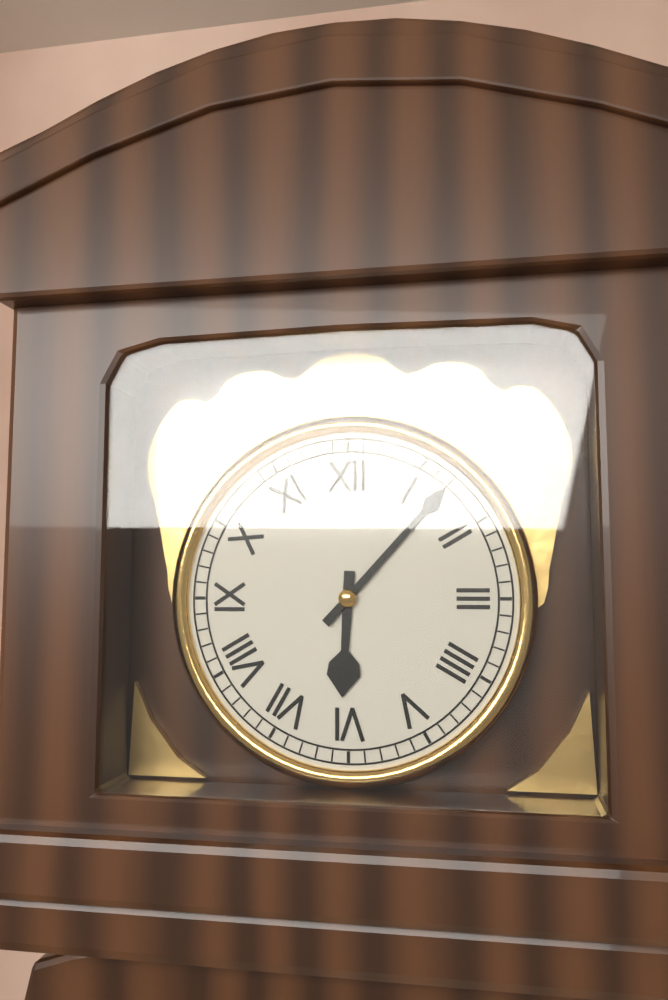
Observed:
6.07
